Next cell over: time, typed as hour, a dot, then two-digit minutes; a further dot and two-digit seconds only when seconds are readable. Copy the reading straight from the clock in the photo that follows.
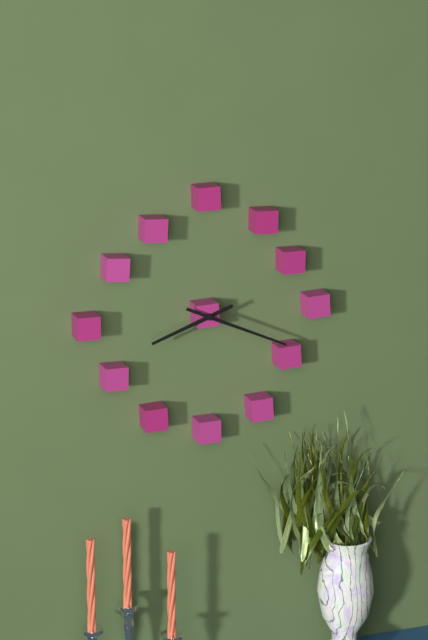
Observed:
8.19
